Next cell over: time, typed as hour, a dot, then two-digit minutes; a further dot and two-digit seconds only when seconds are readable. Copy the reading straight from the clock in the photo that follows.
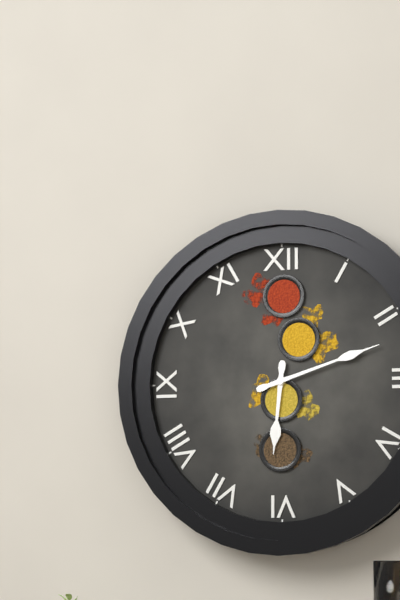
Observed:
6.12
